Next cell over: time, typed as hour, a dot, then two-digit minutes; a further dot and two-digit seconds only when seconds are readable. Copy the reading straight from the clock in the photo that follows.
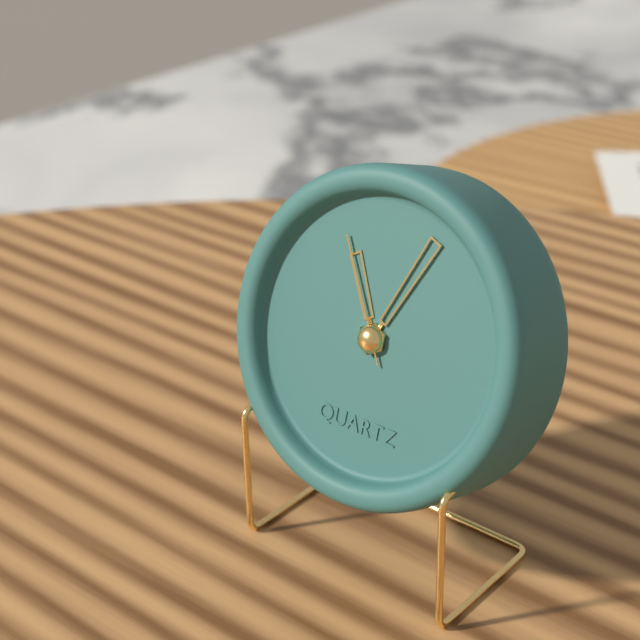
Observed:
11.04.55
